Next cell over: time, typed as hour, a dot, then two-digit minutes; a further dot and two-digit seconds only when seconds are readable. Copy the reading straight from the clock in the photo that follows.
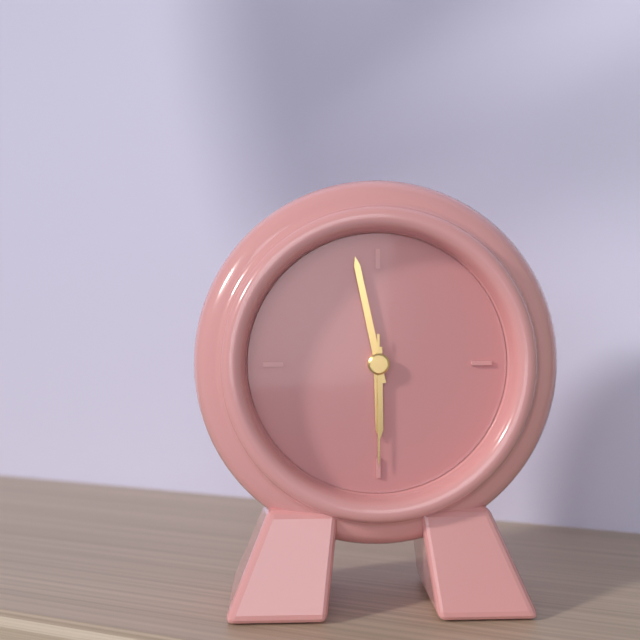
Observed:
5.58.30
